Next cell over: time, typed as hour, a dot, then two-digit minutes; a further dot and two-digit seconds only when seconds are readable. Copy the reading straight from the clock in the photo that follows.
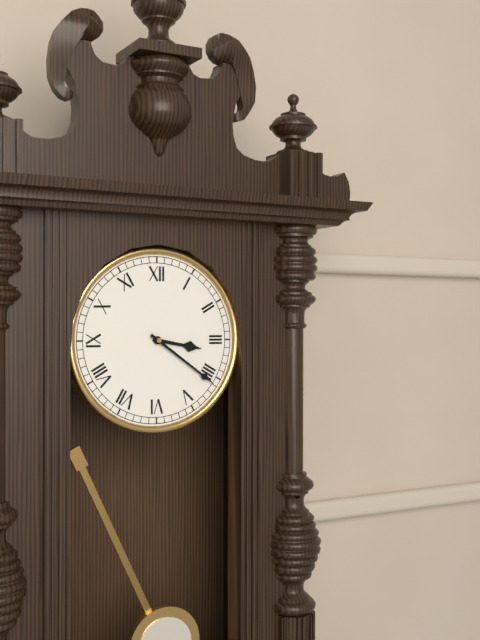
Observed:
3.21
